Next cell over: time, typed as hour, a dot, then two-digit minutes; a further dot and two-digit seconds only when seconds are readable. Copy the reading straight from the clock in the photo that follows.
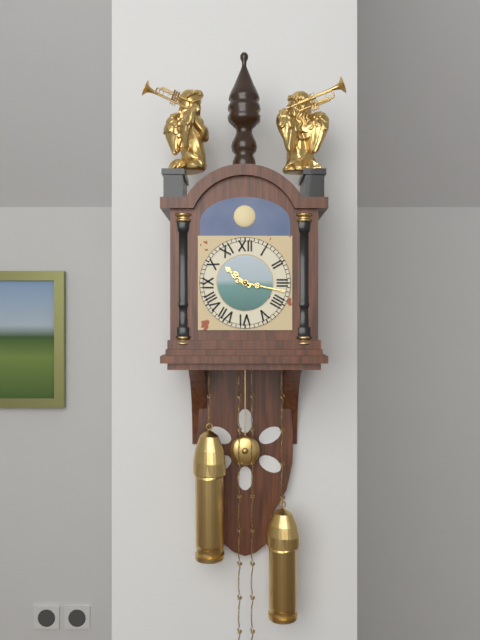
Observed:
10.17
